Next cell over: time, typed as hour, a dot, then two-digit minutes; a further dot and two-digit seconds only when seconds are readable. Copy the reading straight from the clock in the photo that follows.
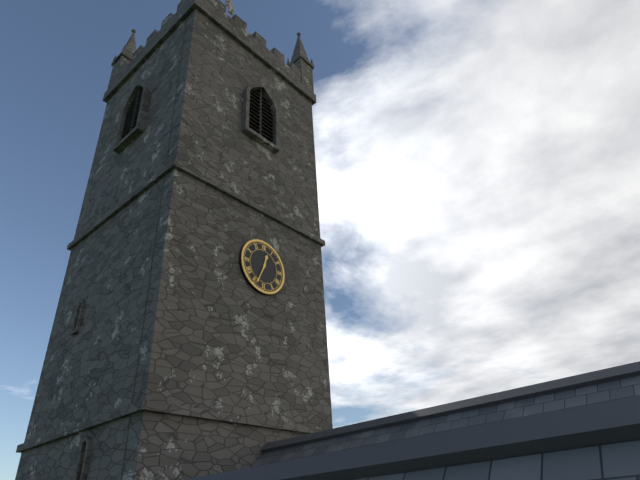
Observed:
12.34
